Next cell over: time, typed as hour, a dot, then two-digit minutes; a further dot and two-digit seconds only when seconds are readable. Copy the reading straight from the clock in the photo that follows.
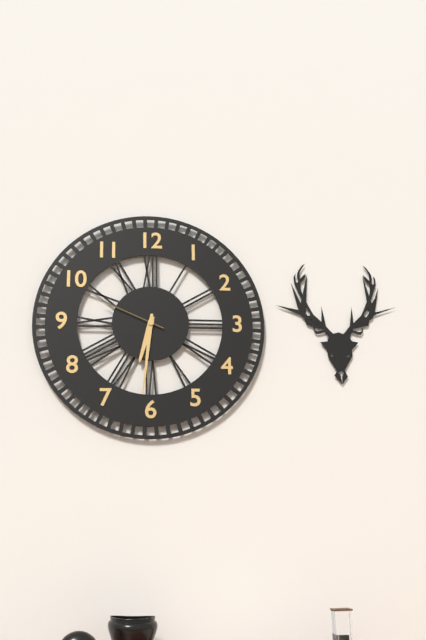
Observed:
6.31.49
